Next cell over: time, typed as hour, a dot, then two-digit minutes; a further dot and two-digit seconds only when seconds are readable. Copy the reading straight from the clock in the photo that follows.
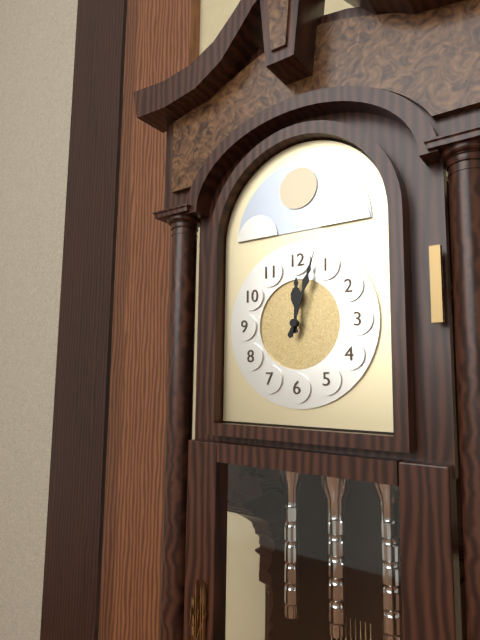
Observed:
12.03
